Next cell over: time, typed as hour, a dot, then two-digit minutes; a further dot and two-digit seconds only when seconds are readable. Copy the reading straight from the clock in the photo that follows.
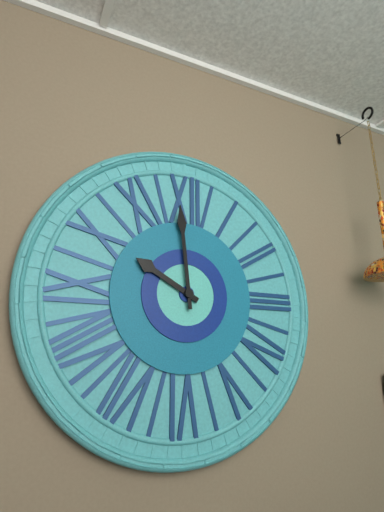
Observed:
9.59
